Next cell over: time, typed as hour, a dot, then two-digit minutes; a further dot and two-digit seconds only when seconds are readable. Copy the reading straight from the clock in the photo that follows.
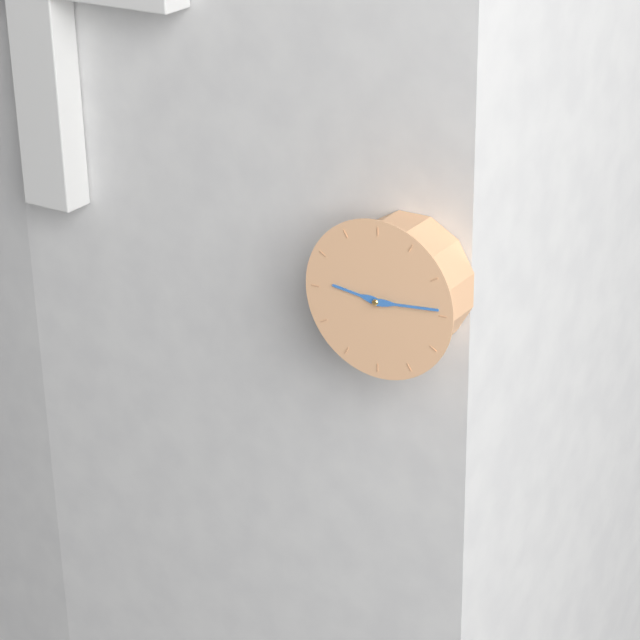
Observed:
9.14
